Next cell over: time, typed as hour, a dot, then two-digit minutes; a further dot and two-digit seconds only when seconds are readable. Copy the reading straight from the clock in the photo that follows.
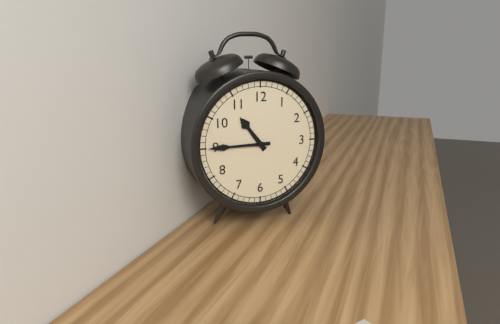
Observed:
10.45
